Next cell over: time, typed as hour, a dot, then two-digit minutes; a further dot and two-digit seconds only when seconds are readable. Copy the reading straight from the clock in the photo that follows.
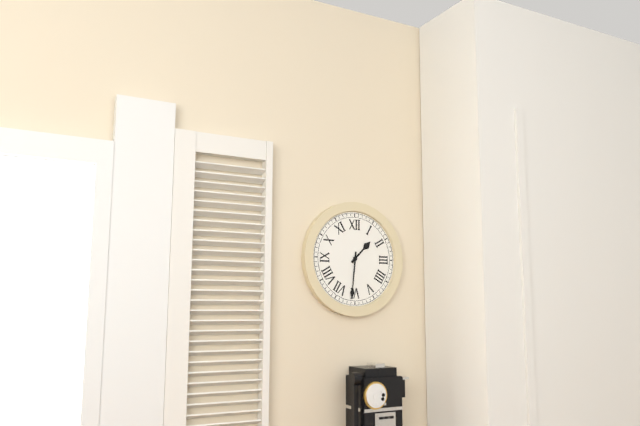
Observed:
1.31
